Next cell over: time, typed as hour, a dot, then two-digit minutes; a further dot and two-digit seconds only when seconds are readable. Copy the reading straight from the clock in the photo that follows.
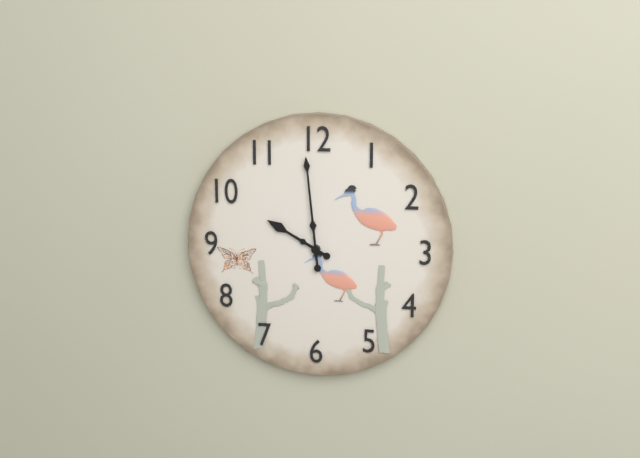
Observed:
9.59
